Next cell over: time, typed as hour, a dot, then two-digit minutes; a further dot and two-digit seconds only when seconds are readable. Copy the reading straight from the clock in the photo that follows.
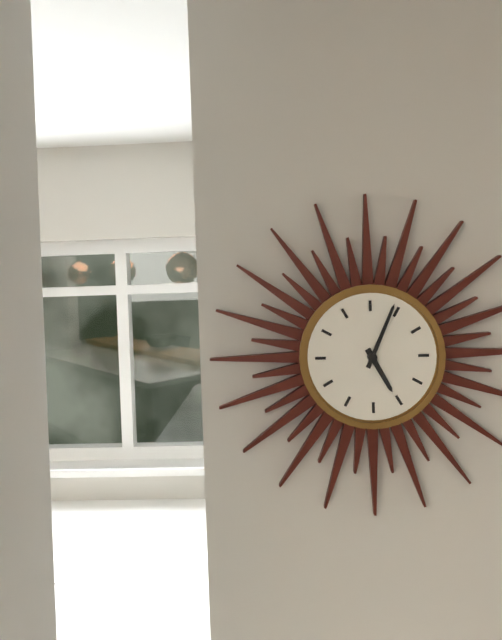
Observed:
5.04
